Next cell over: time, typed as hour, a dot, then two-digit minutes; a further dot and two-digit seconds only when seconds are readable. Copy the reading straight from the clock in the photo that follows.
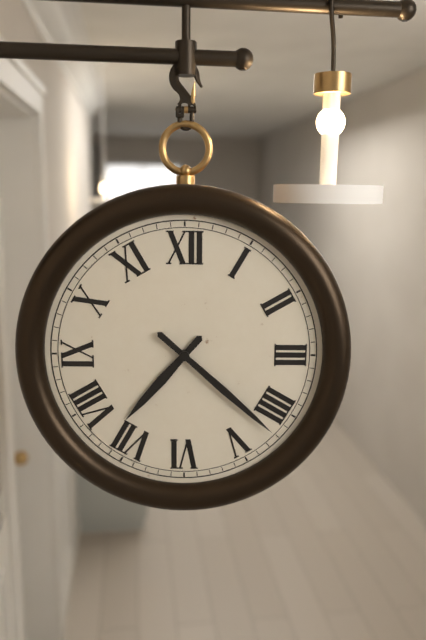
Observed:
7.22
